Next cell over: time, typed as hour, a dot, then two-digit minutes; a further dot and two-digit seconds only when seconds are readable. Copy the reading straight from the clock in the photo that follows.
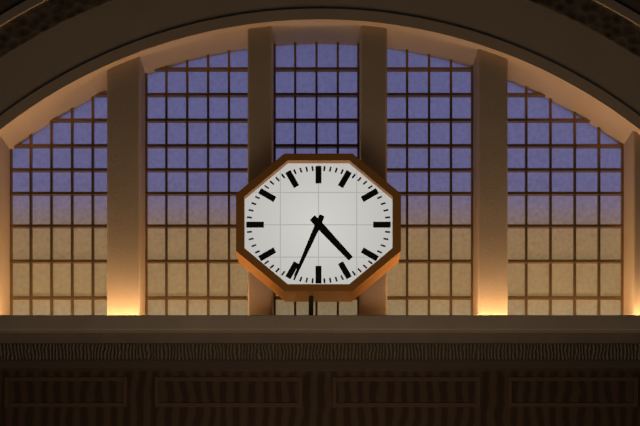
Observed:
4.34
